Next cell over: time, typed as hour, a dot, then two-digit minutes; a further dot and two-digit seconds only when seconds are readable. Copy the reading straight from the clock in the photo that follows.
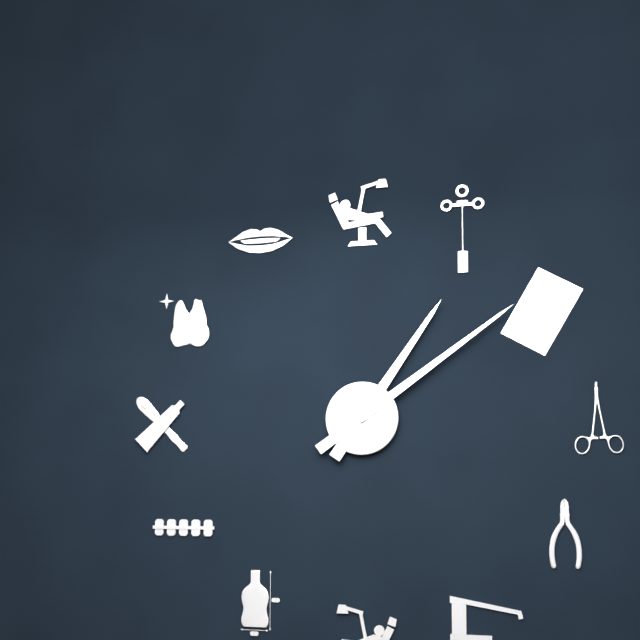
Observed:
1.09
